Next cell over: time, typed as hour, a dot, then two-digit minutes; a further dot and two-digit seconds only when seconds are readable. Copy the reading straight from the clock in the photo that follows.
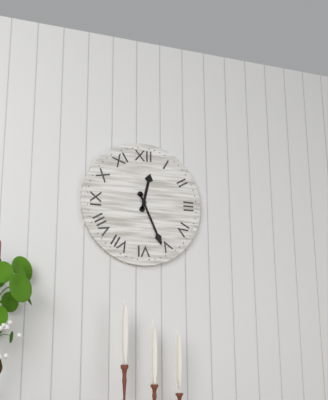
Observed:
12.26
